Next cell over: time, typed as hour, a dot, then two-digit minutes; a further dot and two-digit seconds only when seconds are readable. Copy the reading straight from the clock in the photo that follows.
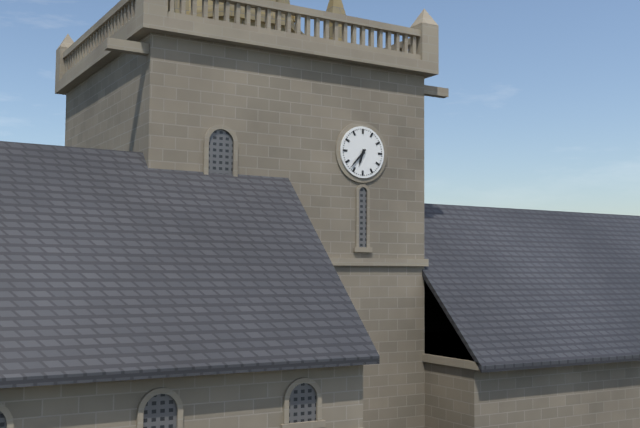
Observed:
6.37
